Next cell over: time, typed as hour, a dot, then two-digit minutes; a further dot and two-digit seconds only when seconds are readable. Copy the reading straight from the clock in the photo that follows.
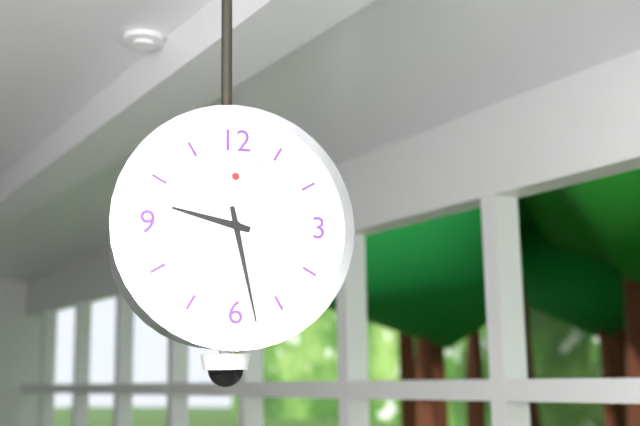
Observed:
9.28
